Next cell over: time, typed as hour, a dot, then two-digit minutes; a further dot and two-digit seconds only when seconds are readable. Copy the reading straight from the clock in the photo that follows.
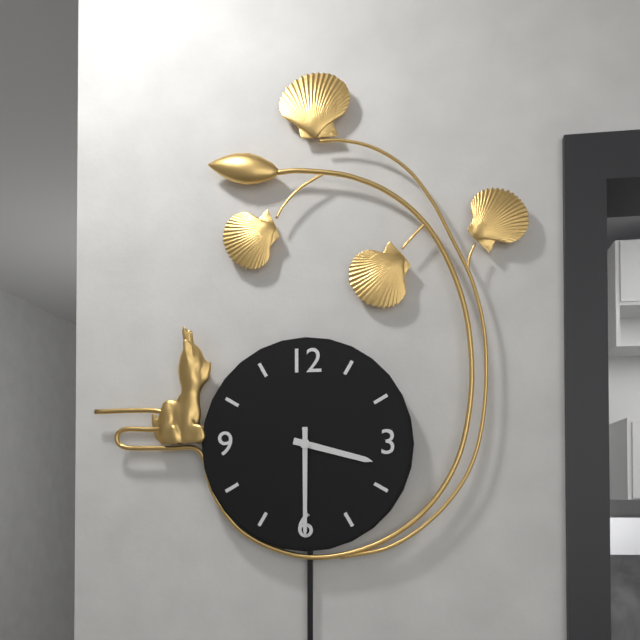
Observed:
3.30
